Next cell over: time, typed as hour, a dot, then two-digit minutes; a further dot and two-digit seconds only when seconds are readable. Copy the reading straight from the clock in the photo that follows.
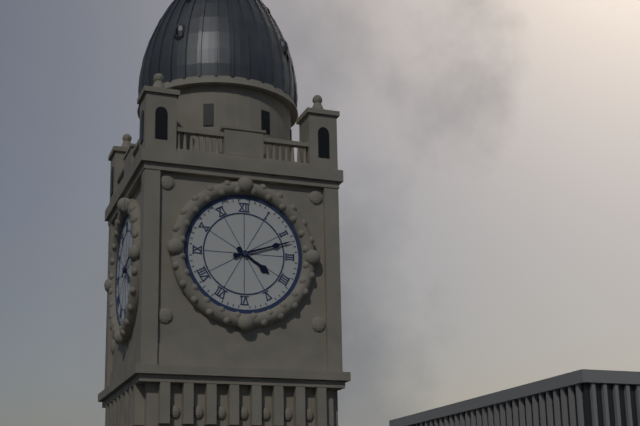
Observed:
4.12
